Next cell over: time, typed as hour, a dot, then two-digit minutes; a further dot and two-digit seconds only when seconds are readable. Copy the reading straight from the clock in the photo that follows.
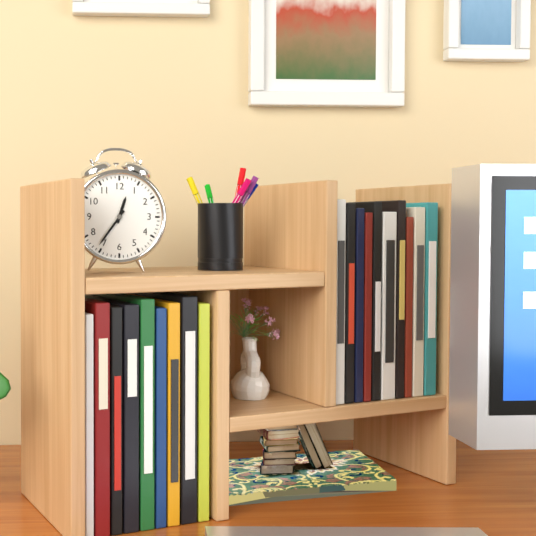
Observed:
12.36
